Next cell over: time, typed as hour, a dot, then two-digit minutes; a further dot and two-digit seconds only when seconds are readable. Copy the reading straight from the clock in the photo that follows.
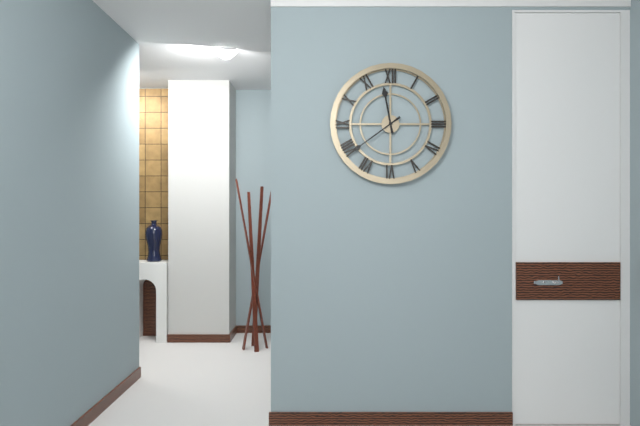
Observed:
11.39
